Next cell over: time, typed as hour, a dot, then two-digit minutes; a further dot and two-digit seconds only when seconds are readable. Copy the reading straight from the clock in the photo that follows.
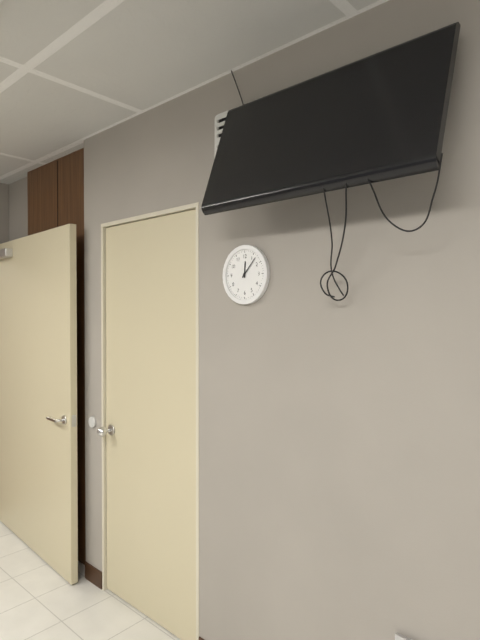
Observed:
12.07
